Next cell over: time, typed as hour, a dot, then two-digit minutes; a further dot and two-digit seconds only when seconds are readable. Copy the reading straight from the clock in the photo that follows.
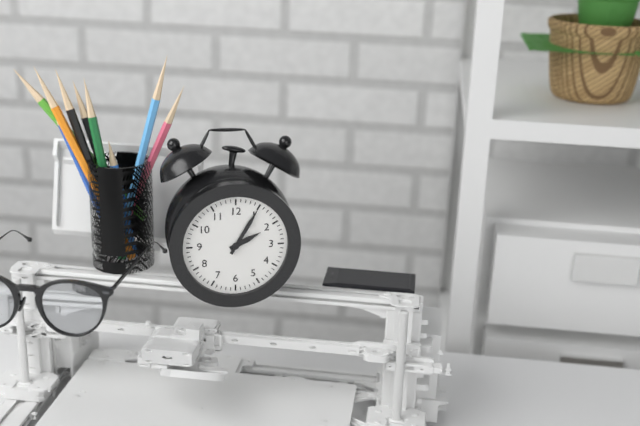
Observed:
2.05
